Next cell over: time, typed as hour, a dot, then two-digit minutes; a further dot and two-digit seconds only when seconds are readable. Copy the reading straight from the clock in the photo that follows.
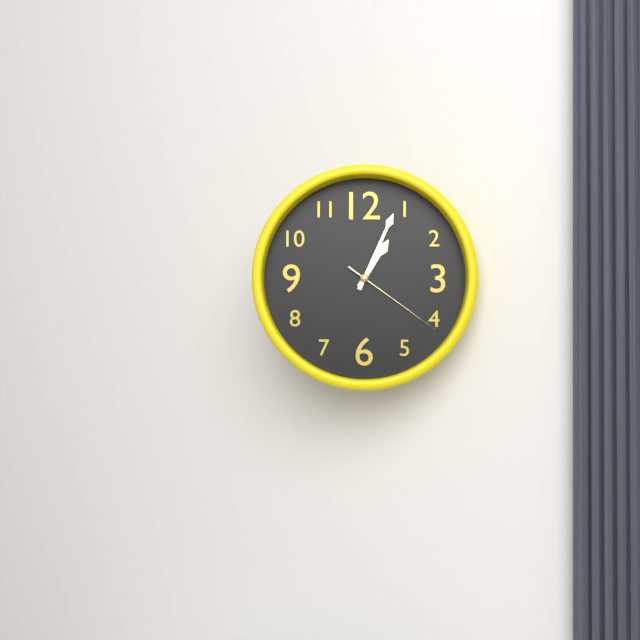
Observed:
1.04.21
